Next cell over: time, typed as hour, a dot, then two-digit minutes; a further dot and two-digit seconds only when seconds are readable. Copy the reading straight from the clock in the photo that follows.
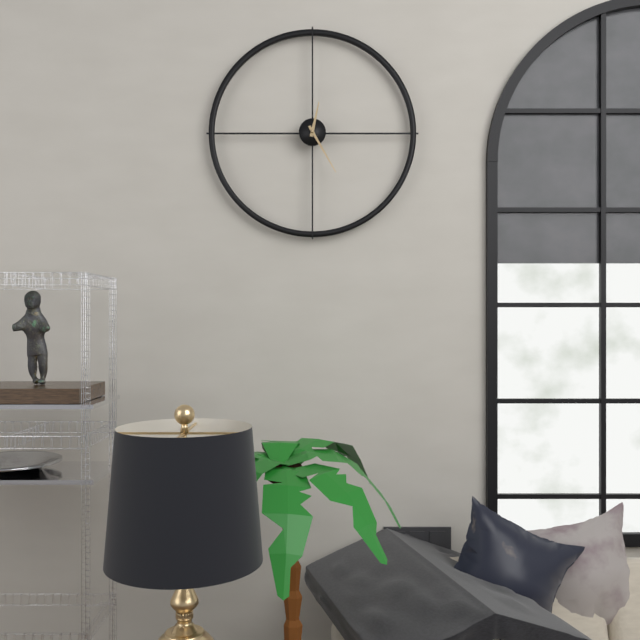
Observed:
12.25
